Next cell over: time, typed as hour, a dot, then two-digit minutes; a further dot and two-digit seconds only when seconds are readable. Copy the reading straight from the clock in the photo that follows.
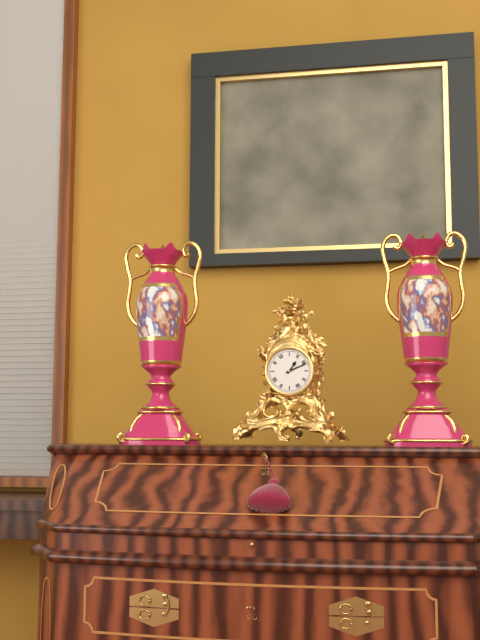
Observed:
1.11
